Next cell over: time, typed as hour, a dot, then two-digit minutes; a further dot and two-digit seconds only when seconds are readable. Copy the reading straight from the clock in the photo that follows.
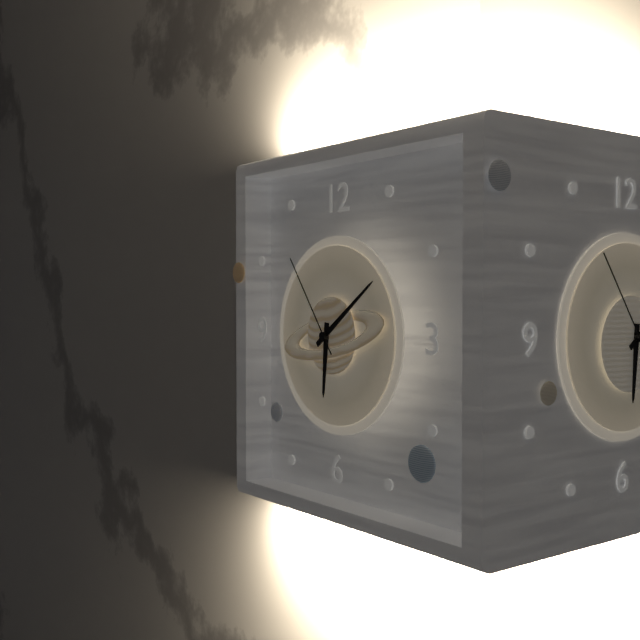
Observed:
6.09.54
